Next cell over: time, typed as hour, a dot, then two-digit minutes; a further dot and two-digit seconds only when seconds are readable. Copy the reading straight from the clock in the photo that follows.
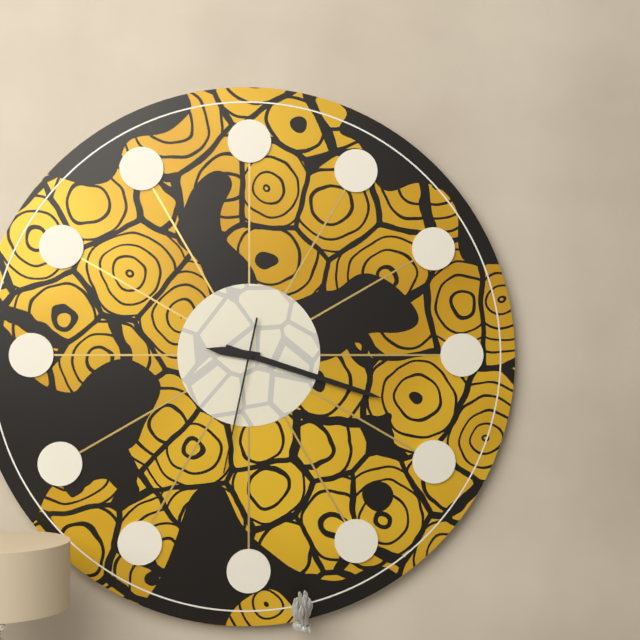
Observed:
9.18.32
